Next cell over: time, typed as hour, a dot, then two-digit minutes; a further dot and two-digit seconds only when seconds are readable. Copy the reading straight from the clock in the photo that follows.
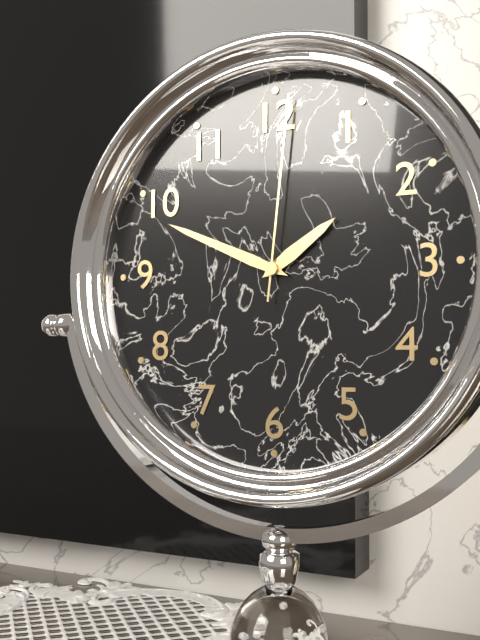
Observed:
1.49.01
